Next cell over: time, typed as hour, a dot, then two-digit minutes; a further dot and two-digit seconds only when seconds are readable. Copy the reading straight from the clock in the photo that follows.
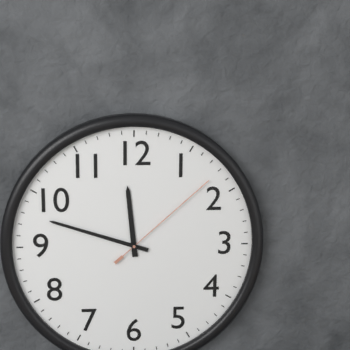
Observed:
11.48.08
